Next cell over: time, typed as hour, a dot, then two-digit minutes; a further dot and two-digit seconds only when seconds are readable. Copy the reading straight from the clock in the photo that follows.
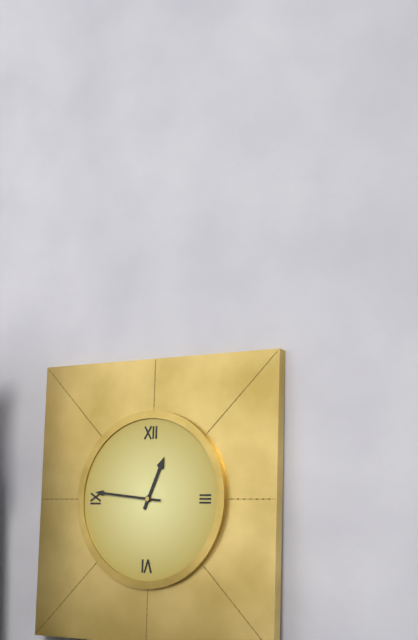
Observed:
12.46
